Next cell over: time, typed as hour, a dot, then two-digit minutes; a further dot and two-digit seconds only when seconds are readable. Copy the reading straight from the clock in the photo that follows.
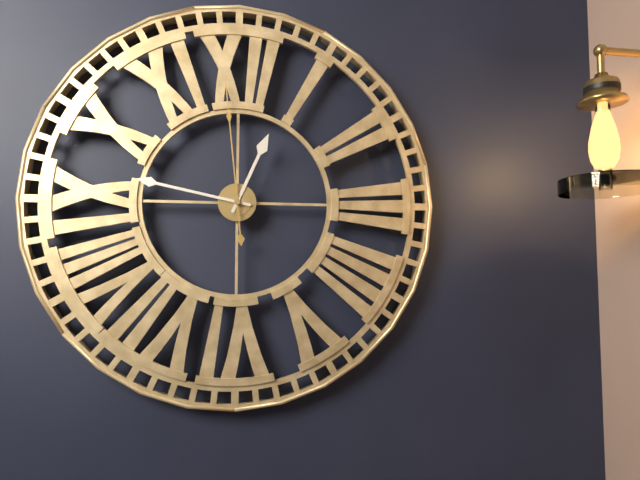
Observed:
12.47.59
